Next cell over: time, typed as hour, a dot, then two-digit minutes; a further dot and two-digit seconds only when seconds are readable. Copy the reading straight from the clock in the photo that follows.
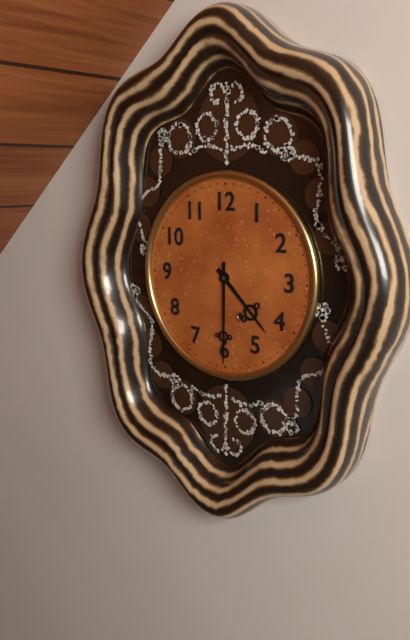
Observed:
4.30
